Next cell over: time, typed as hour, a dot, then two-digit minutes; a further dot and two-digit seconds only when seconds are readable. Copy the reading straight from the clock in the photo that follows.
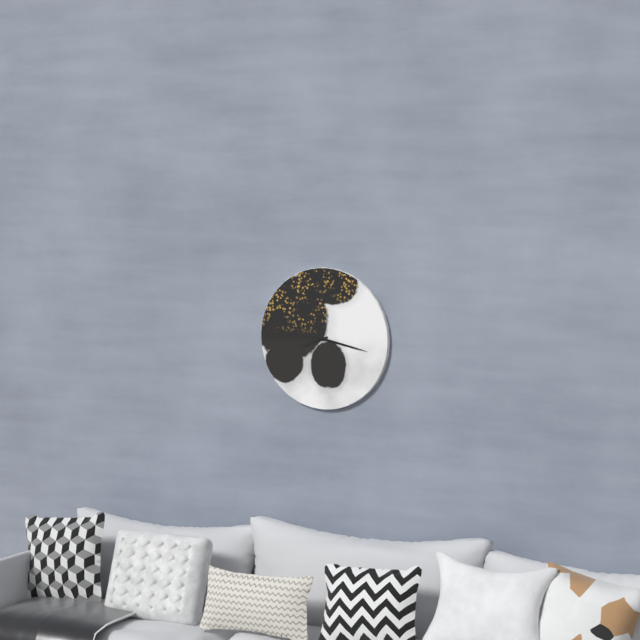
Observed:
8.17
